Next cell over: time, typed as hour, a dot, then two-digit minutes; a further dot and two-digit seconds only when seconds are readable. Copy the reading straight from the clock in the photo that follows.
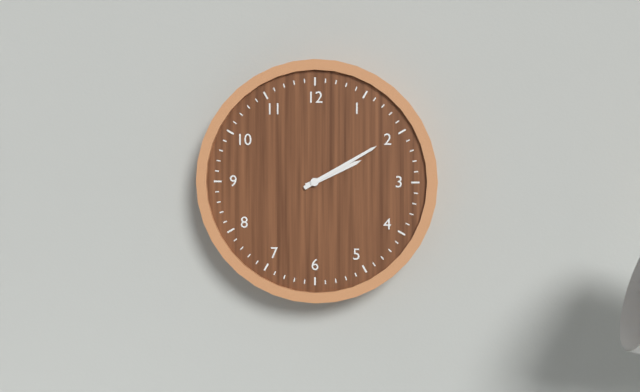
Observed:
2.10
